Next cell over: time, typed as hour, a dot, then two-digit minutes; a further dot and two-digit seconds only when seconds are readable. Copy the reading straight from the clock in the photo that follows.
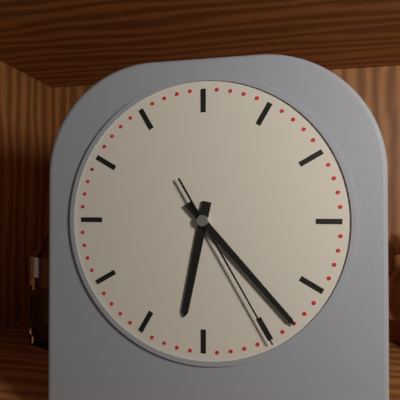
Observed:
6.23.25
